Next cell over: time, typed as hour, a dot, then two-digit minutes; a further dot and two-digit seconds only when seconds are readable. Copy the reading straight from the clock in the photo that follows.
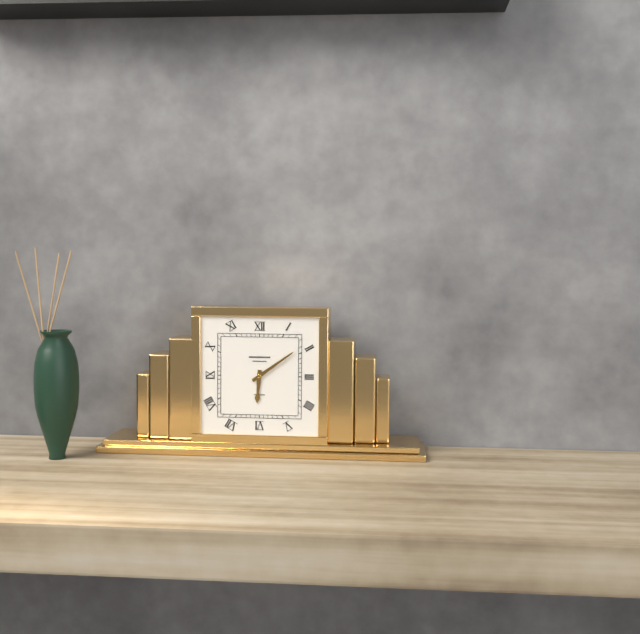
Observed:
6.09
